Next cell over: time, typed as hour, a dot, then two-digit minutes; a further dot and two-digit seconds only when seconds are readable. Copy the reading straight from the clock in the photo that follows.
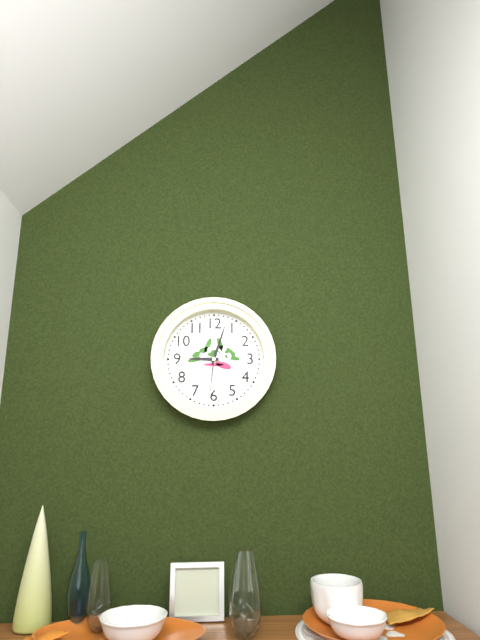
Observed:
9.03.31
